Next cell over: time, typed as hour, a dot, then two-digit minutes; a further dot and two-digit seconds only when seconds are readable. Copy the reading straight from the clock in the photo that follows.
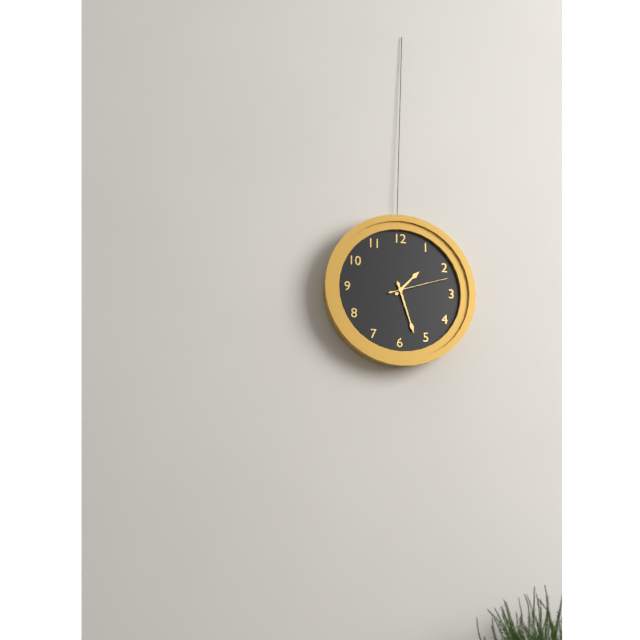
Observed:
1.27.12
